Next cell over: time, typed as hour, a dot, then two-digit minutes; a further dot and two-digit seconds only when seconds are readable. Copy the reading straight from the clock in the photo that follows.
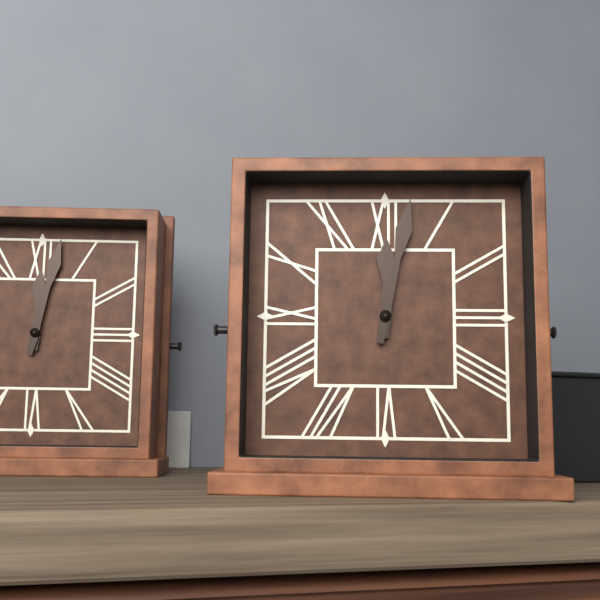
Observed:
12.02
